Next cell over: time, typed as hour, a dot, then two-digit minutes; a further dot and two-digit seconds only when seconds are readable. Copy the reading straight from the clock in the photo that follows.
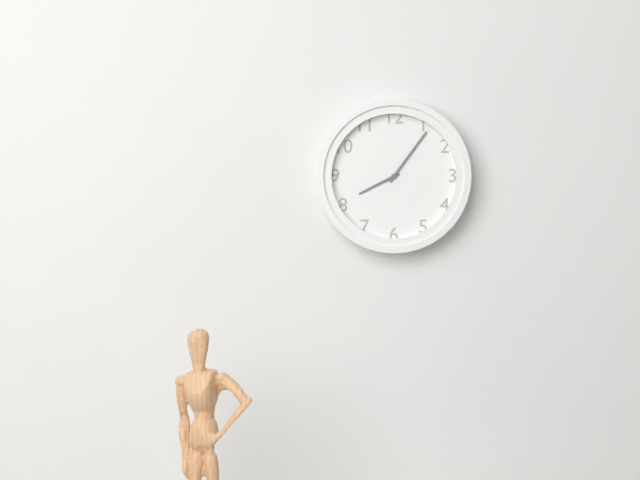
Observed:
8.06
